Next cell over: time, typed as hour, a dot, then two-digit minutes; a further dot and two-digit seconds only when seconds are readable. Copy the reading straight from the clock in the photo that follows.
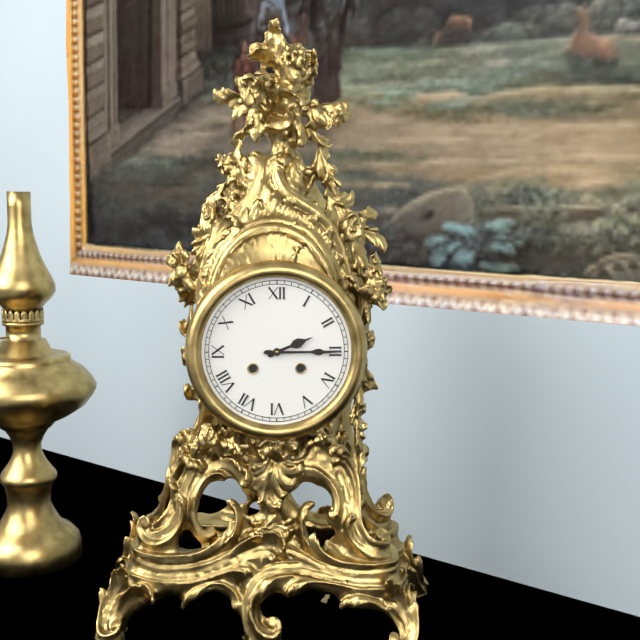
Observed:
2.15
